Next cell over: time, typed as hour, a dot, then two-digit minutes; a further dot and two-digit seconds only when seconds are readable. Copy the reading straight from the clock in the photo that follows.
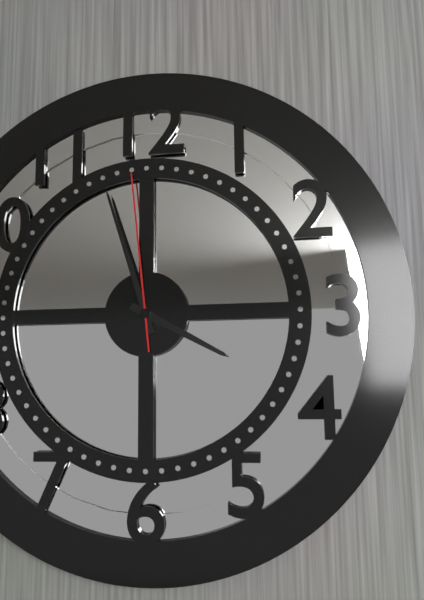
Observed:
3.57.59
